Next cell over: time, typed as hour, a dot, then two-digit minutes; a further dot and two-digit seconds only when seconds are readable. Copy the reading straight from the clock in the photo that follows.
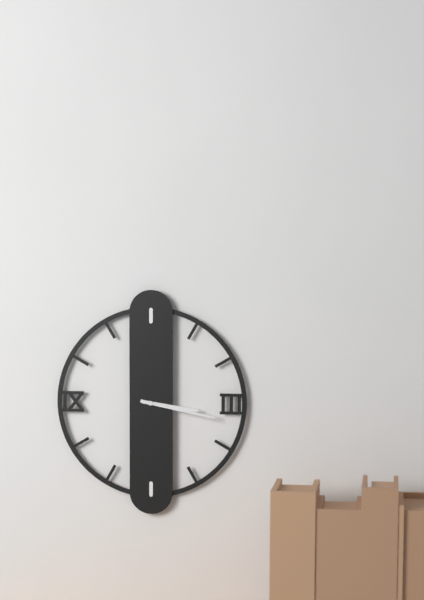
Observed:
3.17
